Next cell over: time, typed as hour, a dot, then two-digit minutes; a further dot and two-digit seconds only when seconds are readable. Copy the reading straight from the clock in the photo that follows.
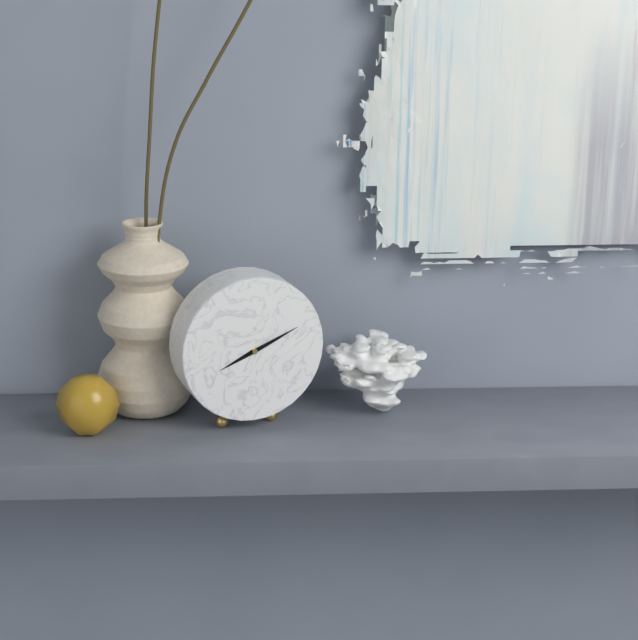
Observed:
8.11
